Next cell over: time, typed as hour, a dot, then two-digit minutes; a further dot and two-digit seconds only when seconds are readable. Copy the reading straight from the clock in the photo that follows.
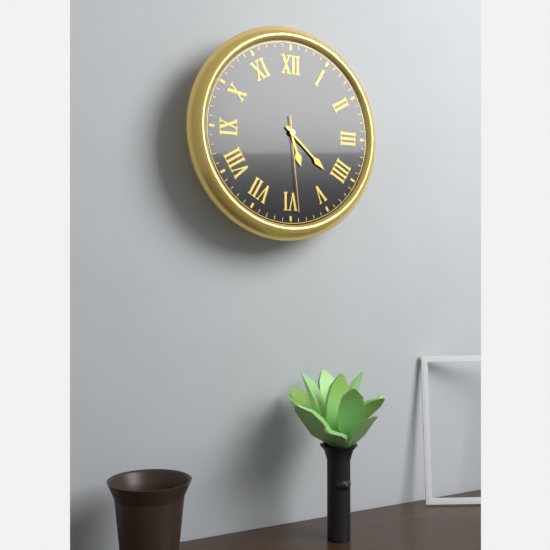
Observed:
5.22.29
